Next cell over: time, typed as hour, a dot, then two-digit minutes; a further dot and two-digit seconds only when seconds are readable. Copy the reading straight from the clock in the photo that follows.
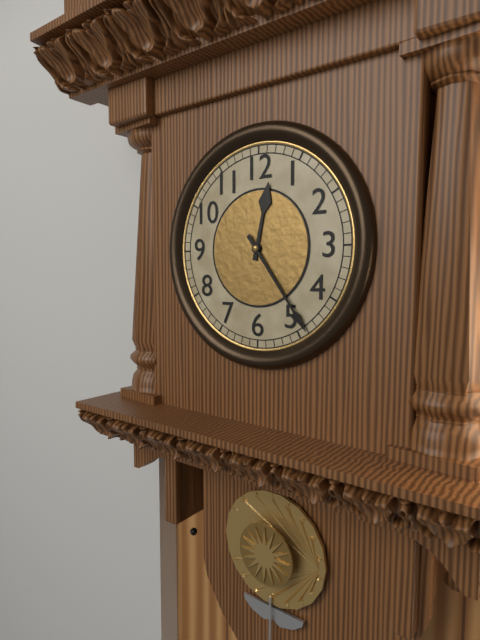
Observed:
12.24
